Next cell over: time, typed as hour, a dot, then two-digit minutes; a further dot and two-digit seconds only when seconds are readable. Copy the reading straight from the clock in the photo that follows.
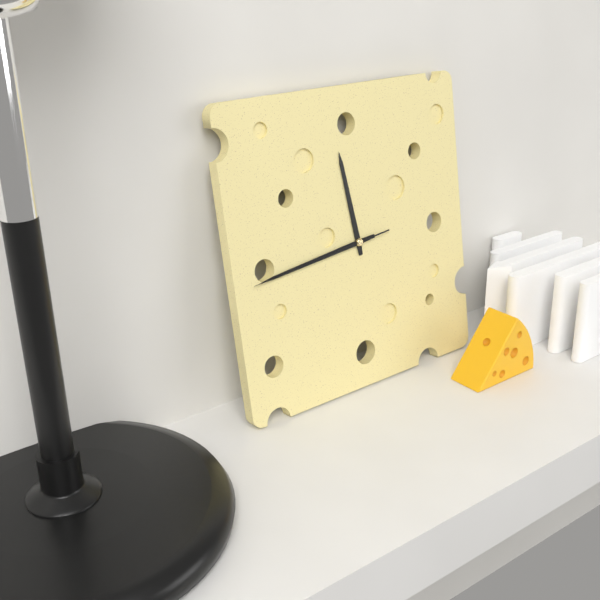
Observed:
11.44.44
